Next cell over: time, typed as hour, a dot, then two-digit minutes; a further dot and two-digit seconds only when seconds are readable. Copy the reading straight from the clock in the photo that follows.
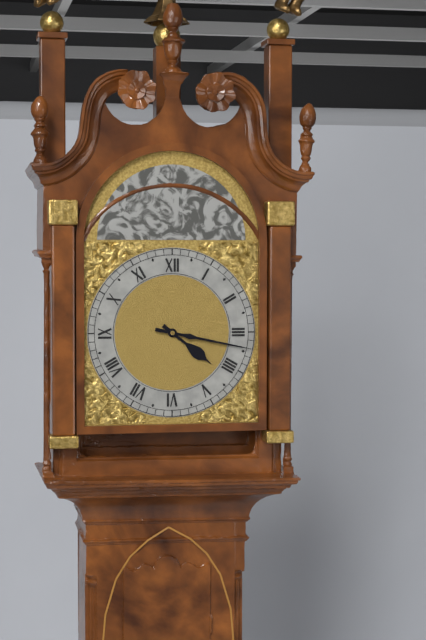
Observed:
4.17
